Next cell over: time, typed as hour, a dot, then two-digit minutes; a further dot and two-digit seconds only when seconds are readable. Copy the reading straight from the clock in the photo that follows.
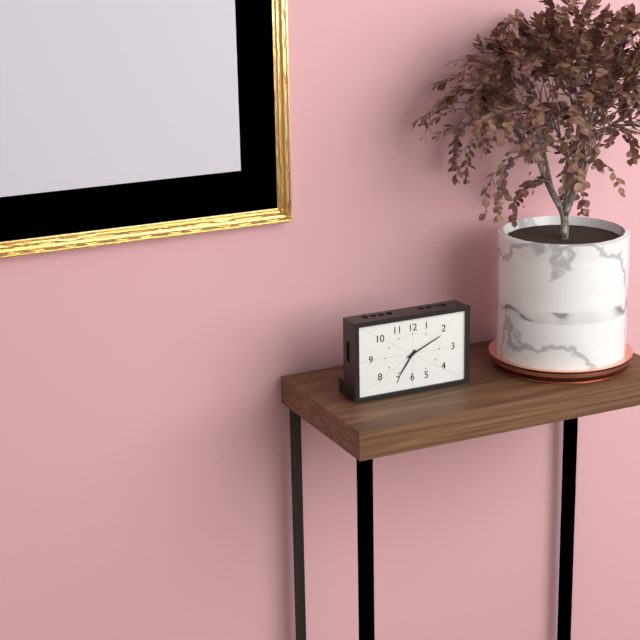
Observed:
7.11
